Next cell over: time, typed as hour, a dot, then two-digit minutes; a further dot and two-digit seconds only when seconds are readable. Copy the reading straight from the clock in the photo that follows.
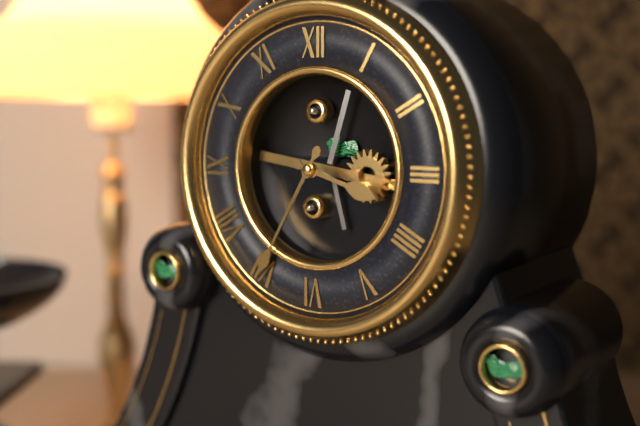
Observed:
3.35
